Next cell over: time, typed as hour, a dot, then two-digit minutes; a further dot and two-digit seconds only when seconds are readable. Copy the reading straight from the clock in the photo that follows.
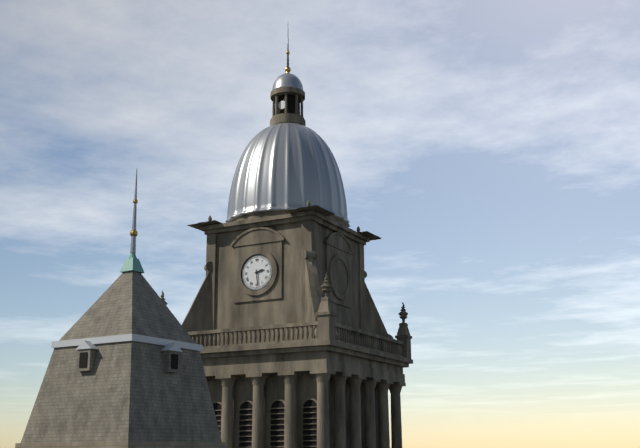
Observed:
2.29
